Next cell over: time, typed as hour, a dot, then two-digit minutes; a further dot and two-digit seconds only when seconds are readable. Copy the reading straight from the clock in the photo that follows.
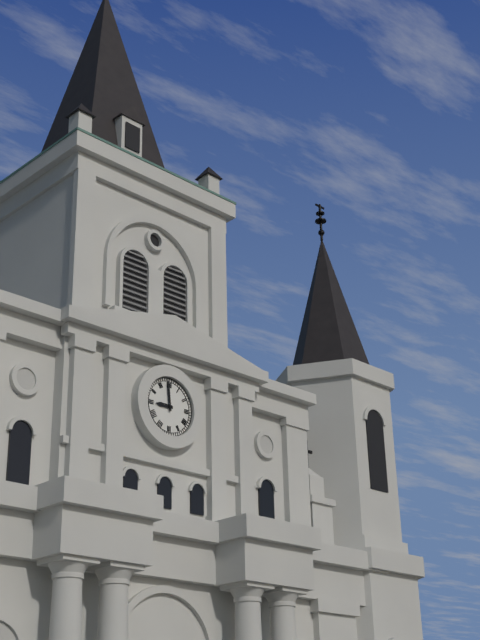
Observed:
8.59
